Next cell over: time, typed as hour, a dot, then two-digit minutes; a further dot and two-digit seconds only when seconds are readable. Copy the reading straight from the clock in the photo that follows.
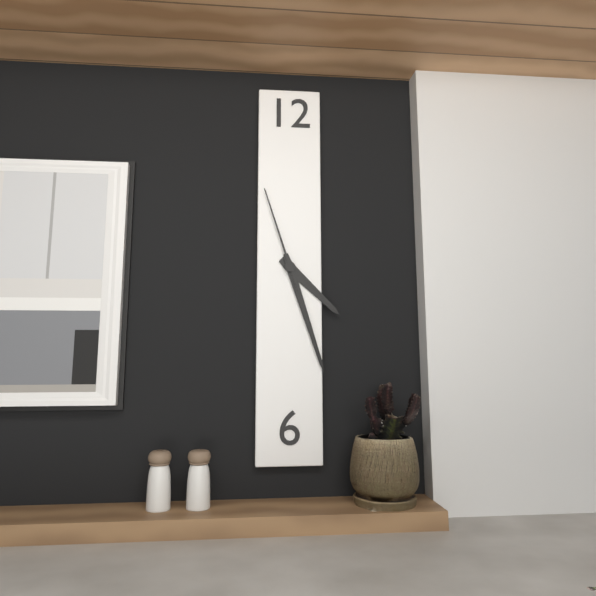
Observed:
4.27.57
